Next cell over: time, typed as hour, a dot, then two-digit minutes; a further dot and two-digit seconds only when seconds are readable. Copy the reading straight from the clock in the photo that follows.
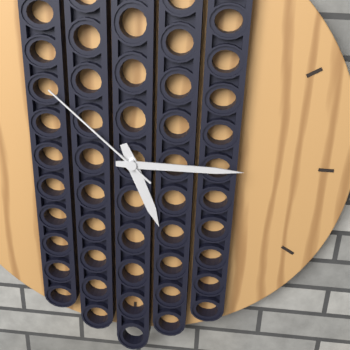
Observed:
5.15.52
